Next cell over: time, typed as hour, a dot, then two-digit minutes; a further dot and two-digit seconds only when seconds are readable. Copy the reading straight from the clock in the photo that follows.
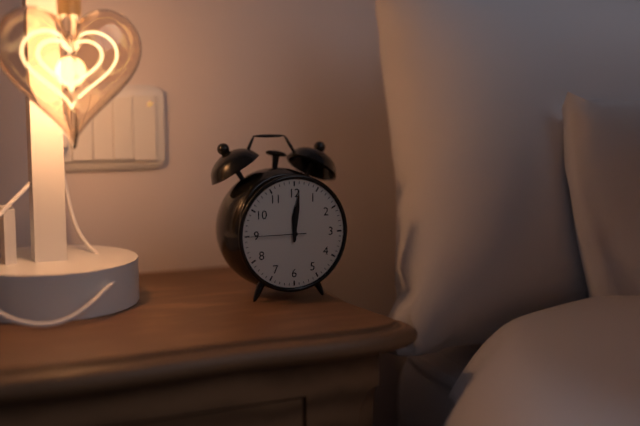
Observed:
12.01.45
